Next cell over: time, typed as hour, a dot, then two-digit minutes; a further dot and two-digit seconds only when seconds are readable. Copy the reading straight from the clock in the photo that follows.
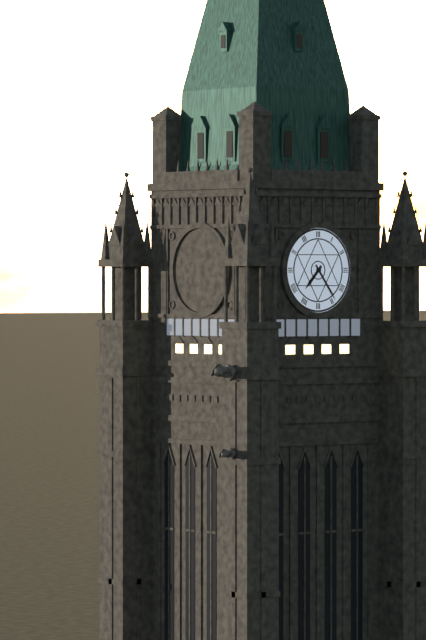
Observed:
7.24
